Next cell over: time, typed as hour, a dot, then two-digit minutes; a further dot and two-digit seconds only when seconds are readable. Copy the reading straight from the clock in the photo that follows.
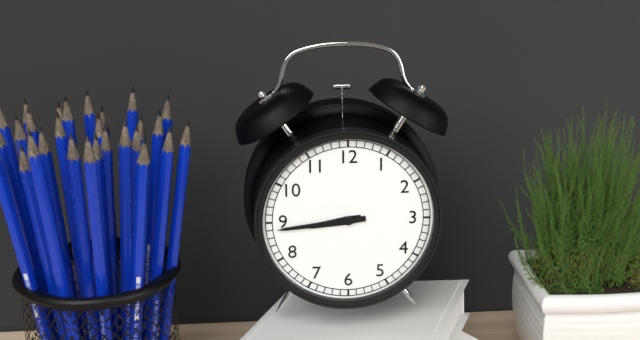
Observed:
8.44
